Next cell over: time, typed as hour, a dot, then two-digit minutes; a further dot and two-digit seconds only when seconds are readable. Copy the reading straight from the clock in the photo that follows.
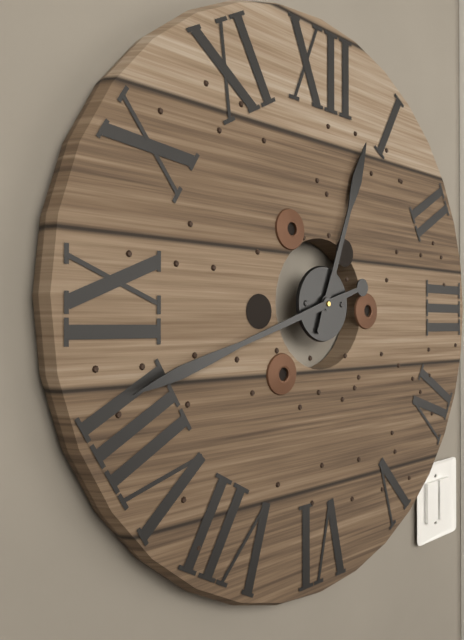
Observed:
12.42
